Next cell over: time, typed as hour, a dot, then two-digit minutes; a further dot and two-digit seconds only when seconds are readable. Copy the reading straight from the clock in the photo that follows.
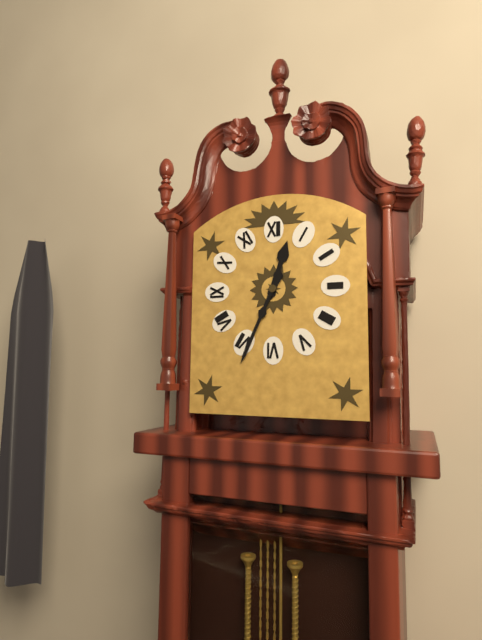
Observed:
12.34
